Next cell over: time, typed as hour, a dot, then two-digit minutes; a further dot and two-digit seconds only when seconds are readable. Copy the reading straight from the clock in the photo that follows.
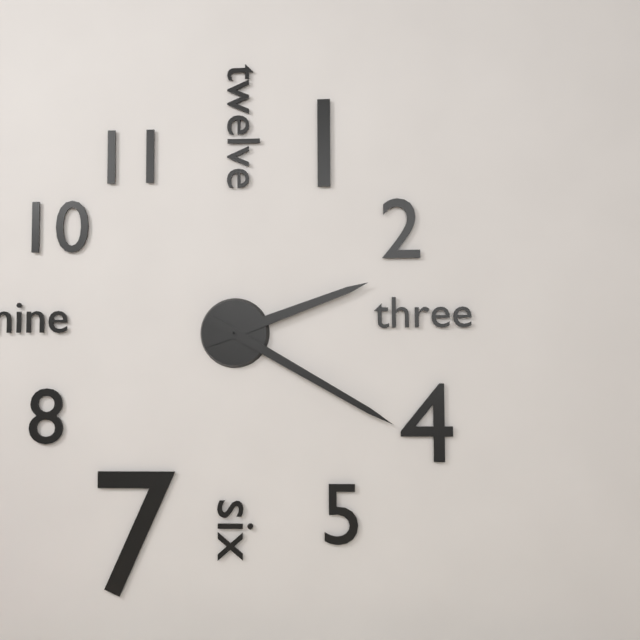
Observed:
2.20
